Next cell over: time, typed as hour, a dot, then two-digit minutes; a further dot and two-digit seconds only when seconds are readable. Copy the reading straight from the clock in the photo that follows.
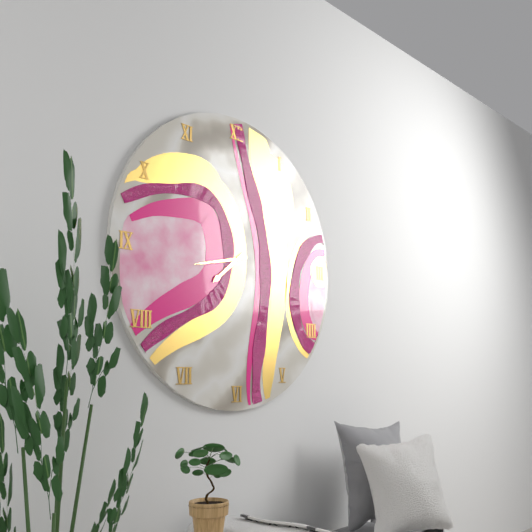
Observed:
7.43
